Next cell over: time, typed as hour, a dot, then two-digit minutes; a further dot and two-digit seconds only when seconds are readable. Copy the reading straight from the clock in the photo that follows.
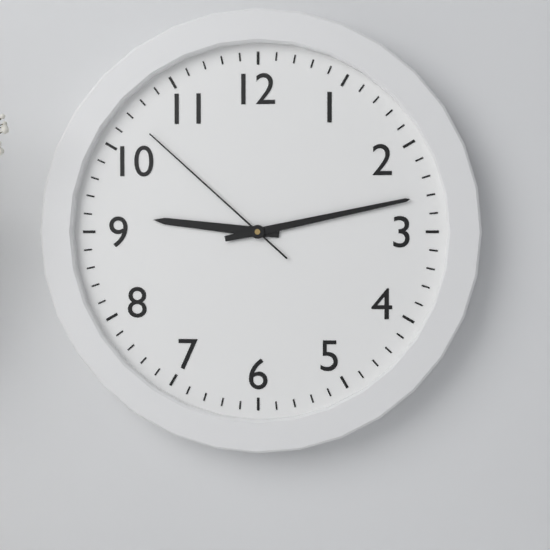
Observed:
9.13.52
